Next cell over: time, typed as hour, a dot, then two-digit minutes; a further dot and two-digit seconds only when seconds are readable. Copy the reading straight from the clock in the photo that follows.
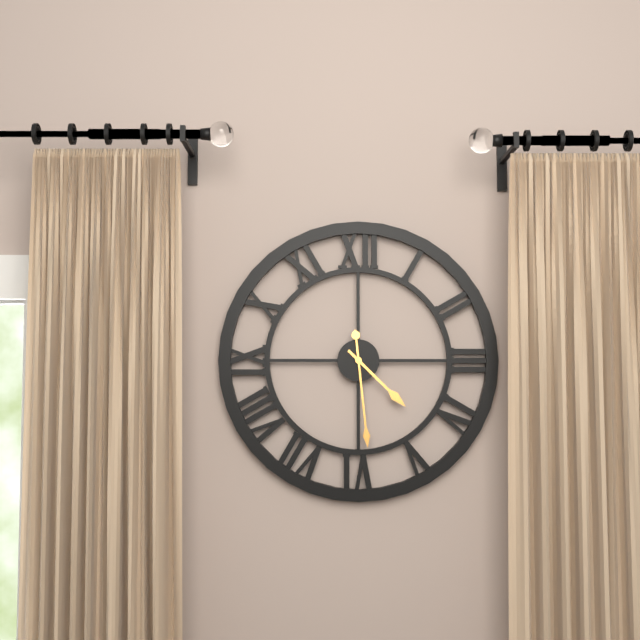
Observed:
4.29
